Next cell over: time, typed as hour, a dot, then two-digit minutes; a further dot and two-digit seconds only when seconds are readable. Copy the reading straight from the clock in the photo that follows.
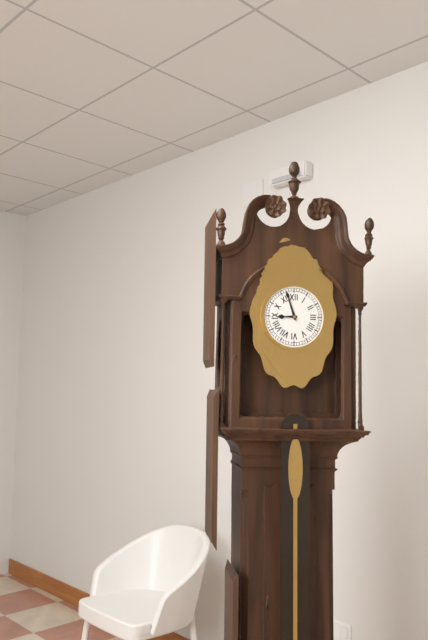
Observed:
8.57
